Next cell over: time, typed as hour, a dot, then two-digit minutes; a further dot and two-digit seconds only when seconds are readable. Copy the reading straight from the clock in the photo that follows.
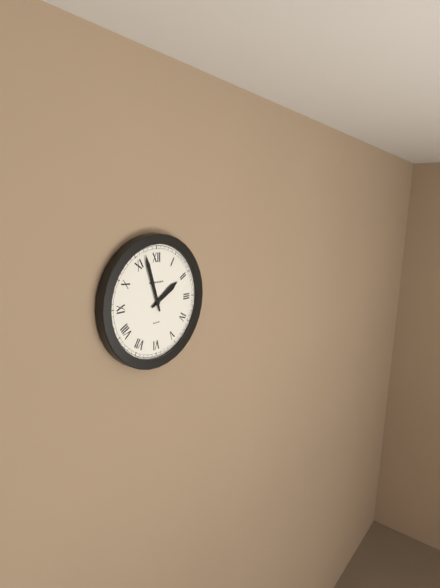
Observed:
1.57
